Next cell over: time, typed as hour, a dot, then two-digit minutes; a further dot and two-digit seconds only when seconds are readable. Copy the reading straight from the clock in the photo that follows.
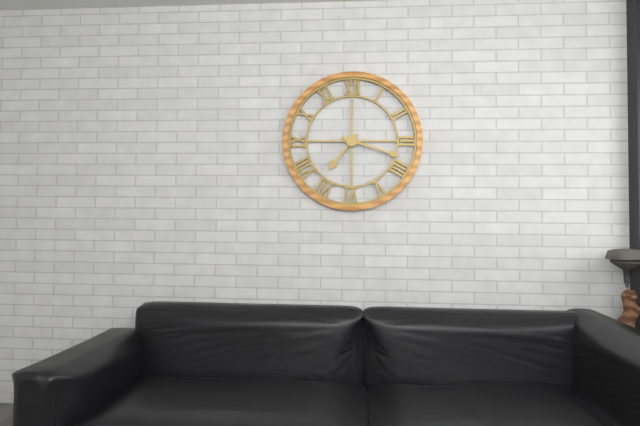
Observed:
7.18
